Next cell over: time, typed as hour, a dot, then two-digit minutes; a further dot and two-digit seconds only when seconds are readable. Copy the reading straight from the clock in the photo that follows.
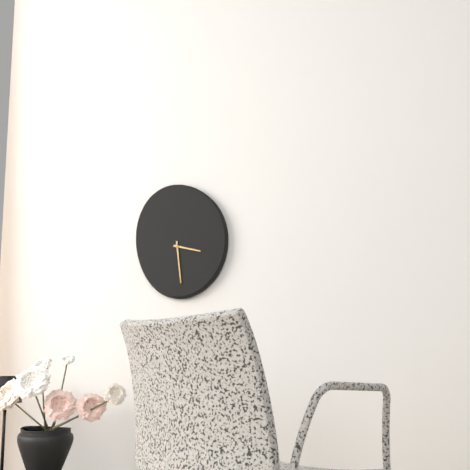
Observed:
3.29
